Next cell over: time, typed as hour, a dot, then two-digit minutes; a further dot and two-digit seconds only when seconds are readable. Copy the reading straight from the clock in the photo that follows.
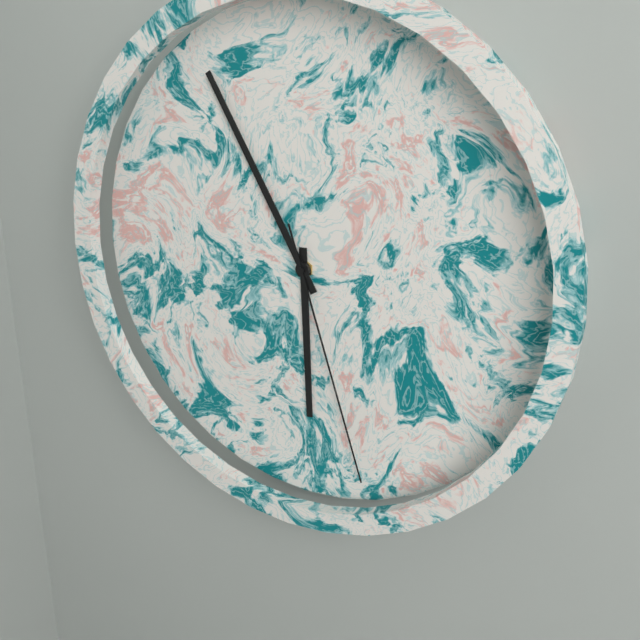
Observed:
5.55.27
